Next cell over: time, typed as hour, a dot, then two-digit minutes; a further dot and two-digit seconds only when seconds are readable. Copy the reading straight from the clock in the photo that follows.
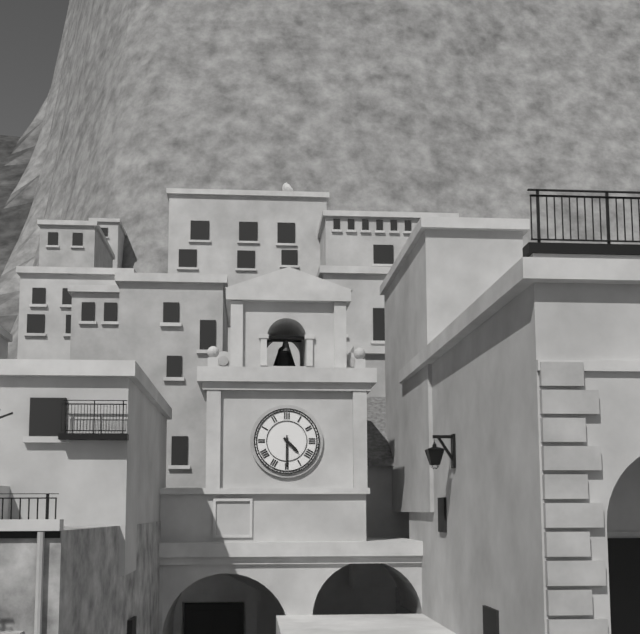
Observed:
4.30
